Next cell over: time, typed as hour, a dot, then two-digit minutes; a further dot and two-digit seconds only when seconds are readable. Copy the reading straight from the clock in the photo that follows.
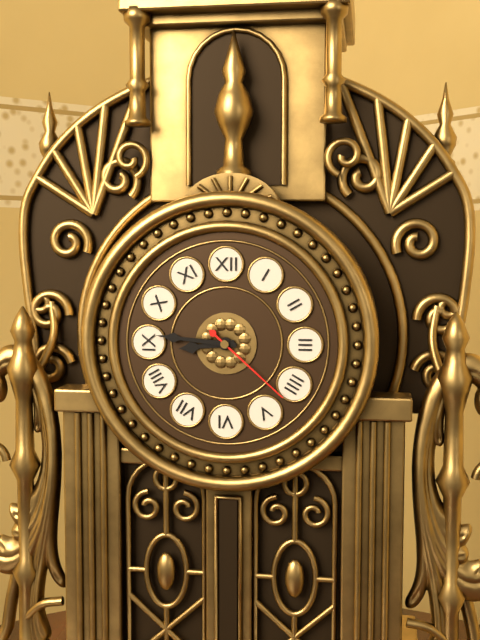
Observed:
8.46.22
